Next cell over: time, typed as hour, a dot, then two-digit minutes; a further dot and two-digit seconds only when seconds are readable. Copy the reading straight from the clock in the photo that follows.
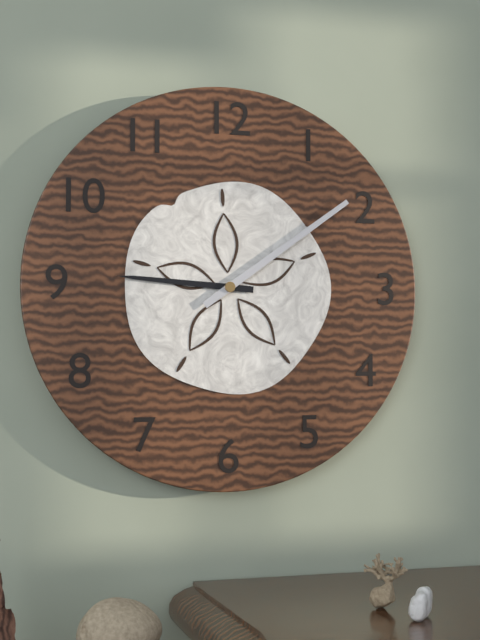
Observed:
9.09
